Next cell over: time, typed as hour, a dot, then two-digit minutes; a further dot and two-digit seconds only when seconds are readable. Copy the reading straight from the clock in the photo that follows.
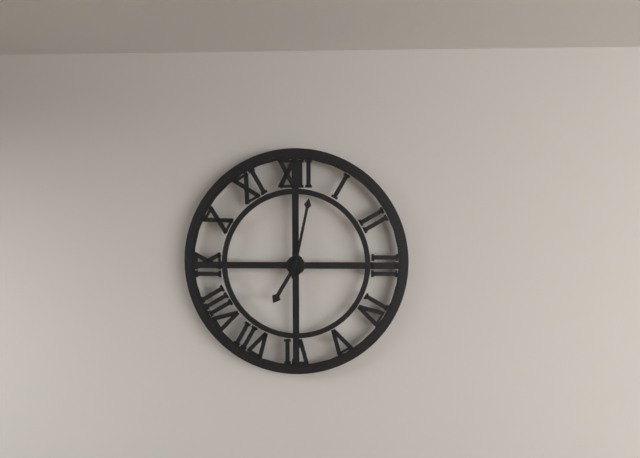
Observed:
7.02
